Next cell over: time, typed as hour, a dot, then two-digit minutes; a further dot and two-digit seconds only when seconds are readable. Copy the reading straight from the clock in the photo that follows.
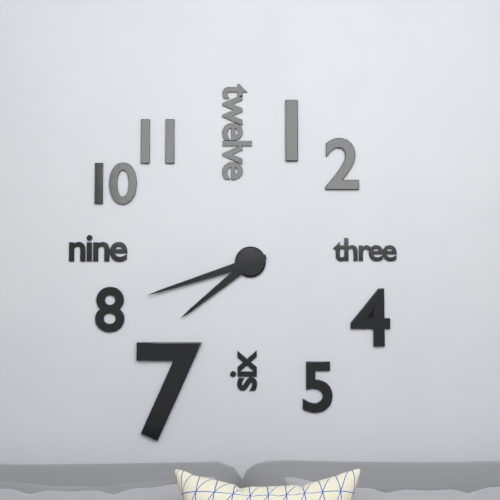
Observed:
7.42
